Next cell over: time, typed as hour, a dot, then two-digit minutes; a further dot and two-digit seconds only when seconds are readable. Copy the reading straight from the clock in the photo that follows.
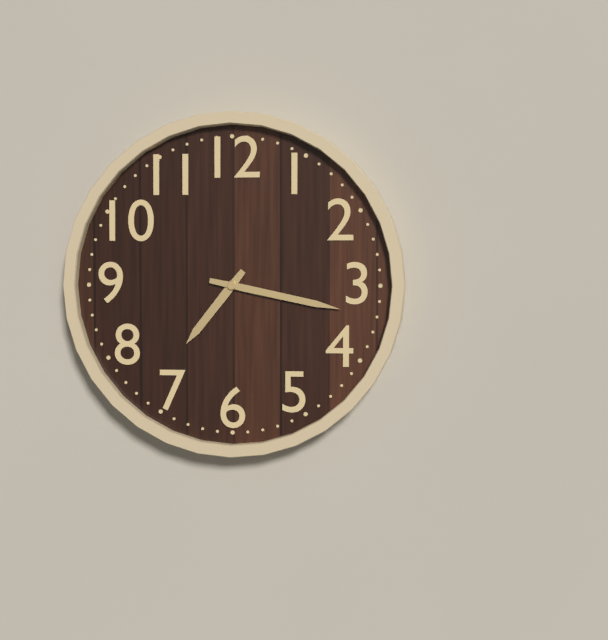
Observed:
7.17
